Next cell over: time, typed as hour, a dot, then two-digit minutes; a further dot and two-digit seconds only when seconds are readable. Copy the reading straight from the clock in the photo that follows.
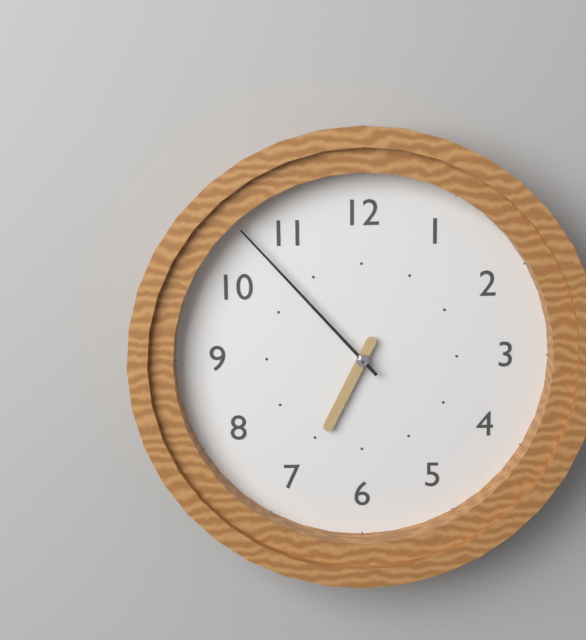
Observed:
6.53
